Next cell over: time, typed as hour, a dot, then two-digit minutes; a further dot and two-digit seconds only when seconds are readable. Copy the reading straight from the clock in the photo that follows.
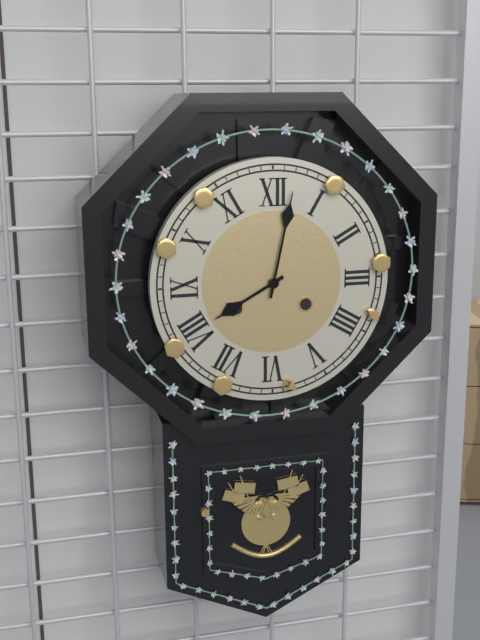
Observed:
8.02
